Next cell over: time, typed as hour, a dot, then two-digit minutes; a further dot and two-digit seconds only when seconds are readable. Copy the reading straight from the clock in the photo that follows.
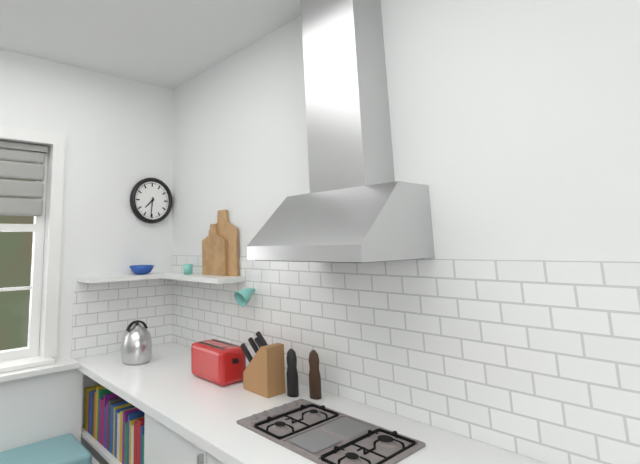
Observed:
7.31
